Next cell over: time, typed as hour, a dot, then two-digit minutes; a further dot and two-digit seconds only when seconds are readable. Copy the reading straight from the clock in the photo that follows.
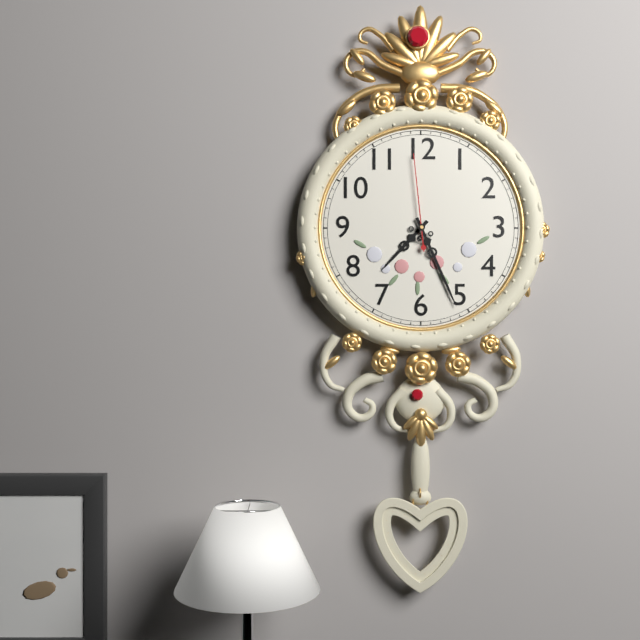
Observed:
7.26.59
